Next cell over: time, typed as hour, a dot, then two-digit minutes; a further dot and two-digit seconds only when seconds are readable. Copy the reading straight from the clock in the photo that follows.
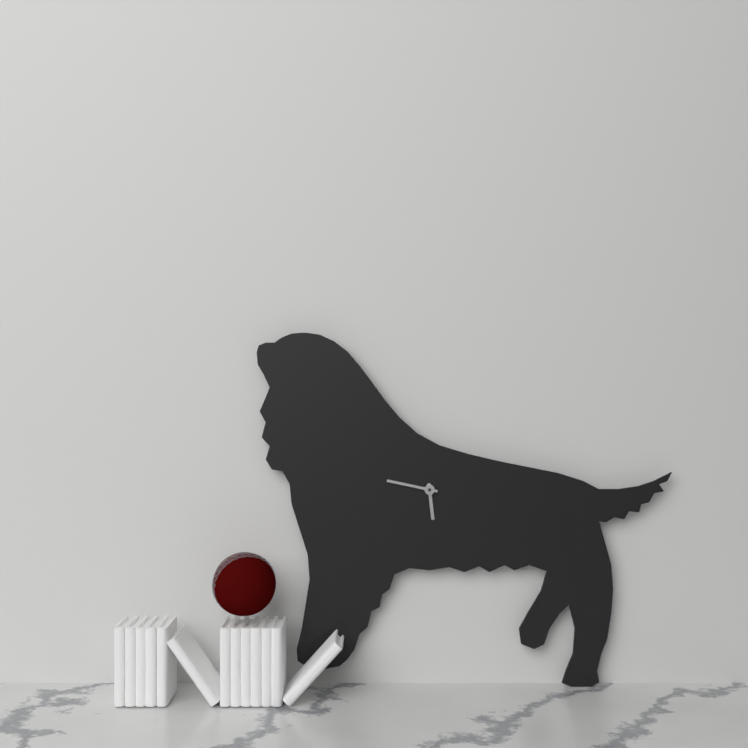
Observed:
5.47
